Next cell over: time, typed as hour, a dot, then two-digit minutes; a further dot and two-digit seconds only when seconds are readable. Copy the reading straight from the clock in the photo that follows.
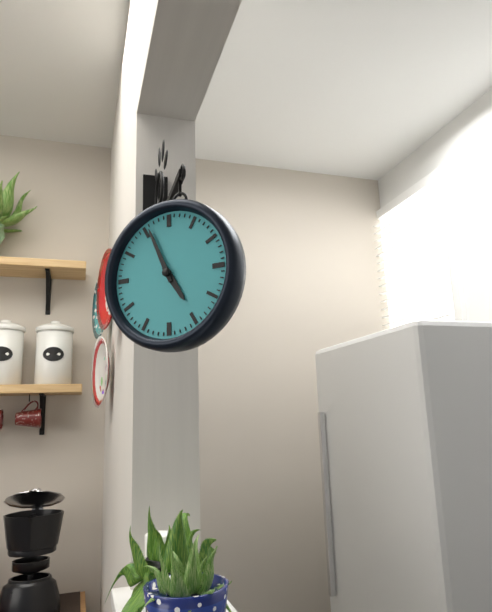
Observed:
4.56
